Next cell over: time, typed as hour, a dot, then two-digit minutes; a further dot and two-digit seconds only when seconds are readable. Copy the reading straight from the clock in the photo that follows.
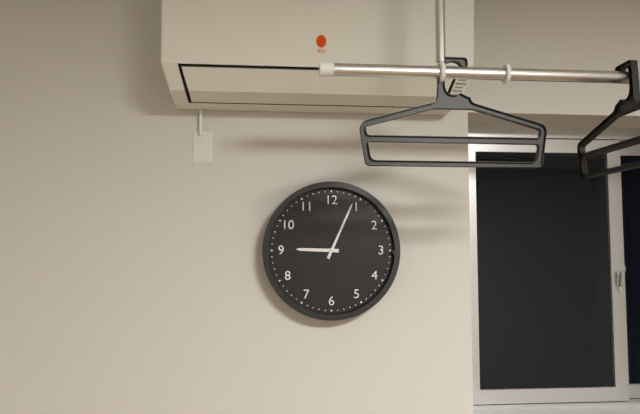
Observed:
9.04
